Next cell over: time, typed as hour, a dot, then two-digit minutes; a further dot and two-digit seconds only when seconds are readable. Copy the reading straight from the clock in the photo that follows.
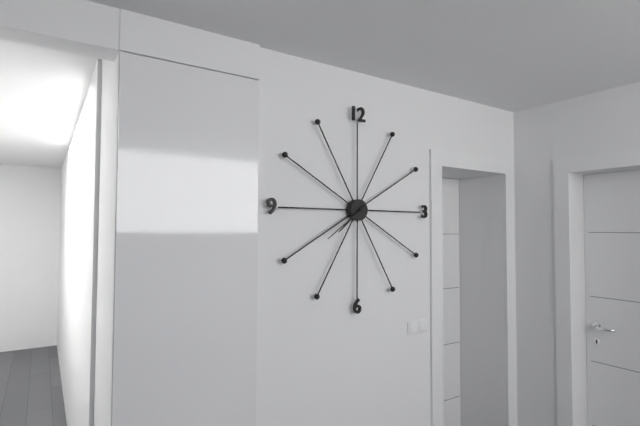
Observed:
7.39
